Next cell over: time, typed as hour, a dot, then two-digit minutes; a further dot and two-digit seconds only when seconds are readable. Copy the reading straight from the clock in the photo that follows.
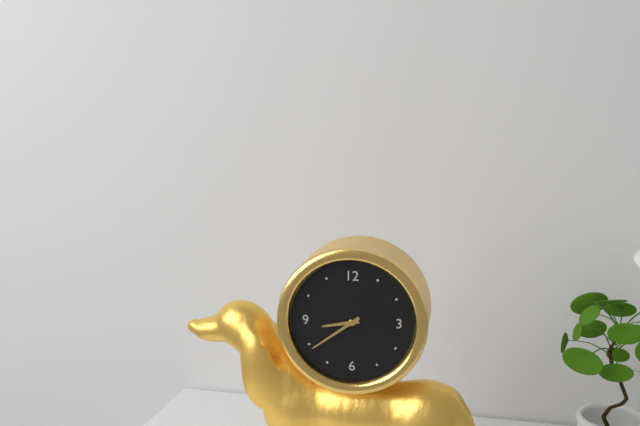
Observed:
8.39
